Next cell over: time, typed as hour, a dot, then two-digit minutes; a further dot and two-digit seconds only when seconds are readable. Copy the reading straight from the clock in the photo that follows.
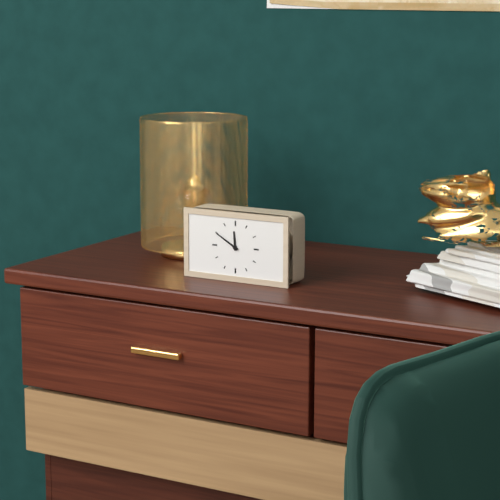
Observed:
11.50
